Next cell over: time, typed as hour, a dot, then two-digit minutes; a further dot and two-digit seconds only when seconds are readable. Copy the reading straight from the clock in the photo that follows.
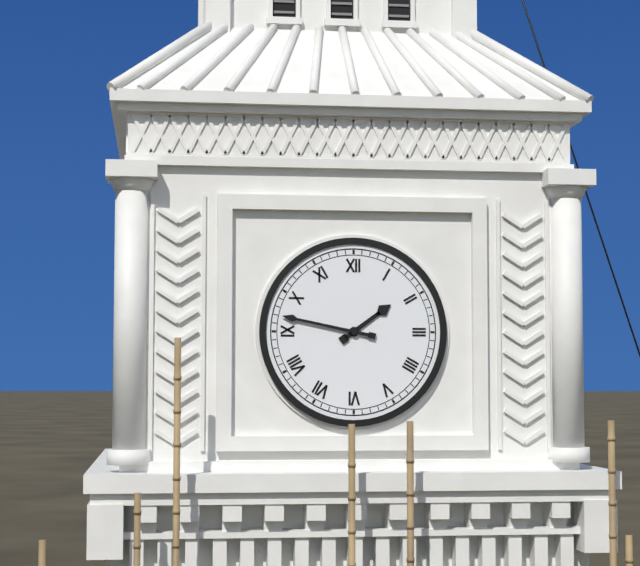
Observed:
1.47
